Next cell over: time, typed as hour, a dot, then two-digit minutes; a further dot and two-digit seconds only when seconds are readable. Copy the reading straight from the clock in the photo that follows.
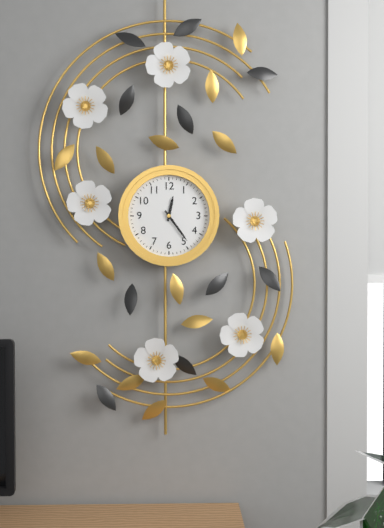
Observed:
12.24
